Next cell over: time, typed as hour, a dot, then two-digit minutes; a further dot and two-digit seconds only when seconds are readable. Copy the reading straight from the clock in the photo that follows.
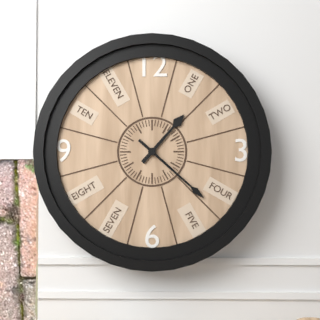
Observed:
1.22
